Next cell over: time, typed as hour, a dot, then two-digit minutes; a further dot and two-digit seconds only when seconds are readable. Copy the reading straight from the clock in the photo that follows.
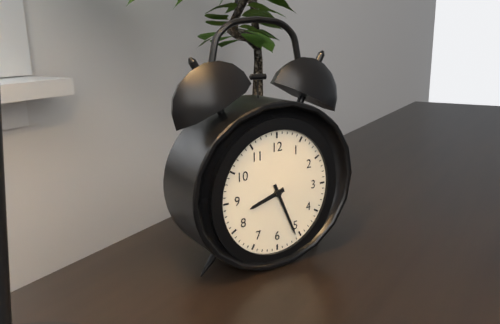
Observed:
8.26
